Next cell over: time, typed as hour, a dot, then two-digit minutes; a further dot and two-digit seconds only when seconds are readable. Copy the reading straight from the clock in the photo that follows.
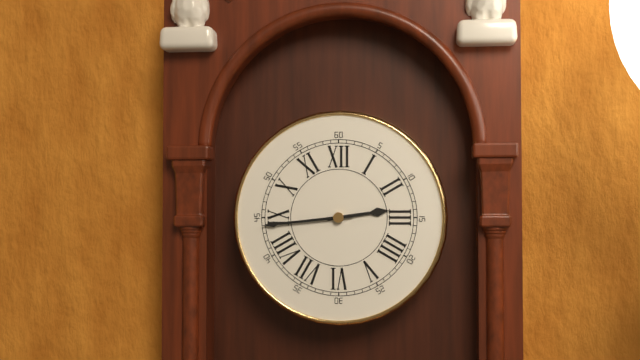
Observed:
2.44
